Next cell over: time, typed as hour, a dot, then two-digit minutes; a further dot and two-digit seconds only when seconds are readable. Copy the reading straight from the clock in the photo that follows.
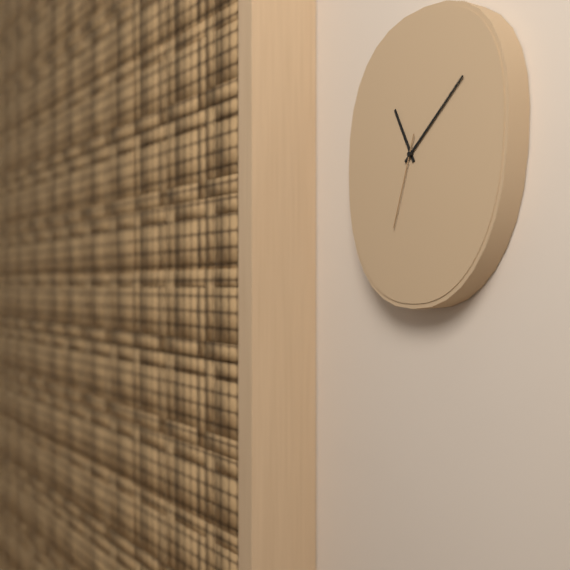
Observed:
11.08.33
